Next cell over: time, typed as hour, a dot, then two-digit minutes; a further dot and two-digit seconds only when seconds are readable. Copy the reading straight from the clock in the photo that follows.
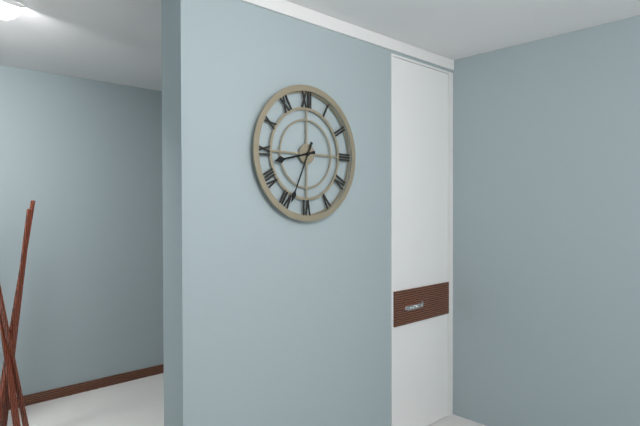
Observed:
8.34
